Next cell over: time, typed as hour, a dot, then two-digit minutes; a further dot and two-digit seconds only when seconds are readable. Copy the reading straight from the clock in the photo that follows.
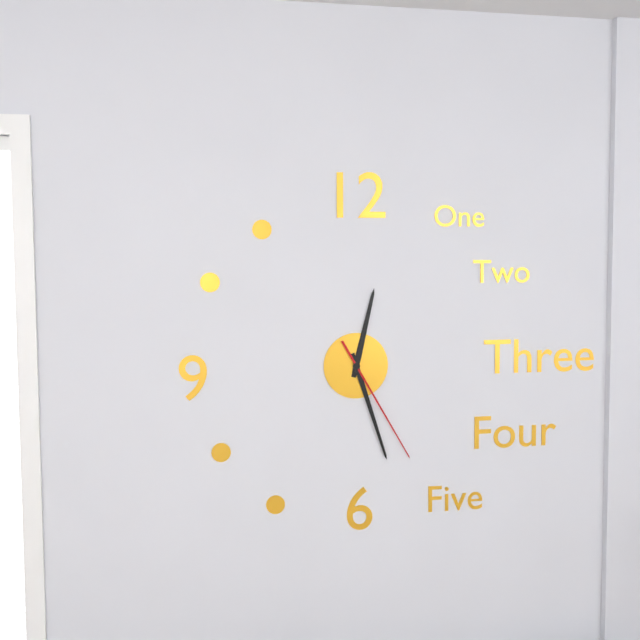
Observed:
12.27.25
